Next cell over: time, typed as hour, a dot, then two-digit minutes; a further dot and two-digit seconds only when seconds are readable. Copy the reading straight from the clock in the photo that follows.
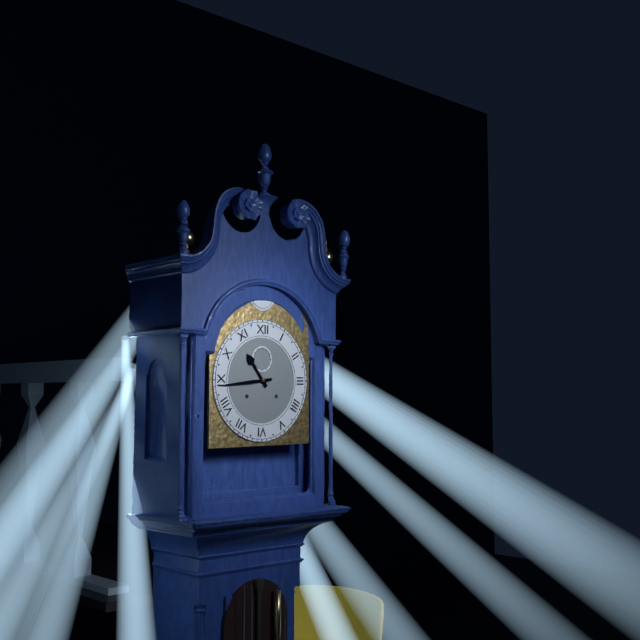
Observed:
10.44
